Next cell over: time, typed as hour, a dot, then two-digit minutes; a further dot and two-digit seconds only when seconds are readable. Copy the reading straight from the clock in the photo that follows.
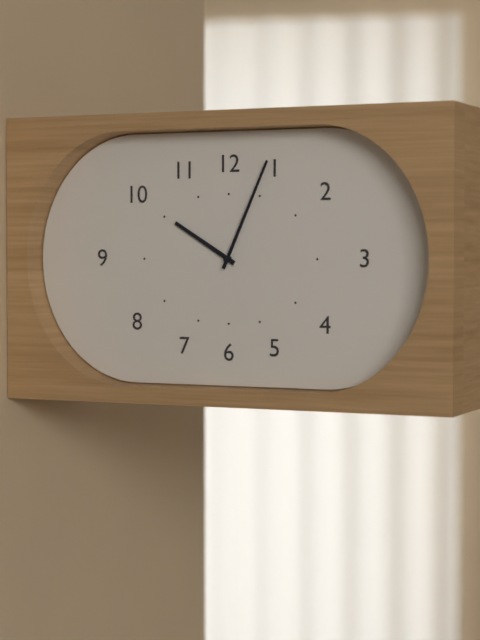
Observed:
10.04
